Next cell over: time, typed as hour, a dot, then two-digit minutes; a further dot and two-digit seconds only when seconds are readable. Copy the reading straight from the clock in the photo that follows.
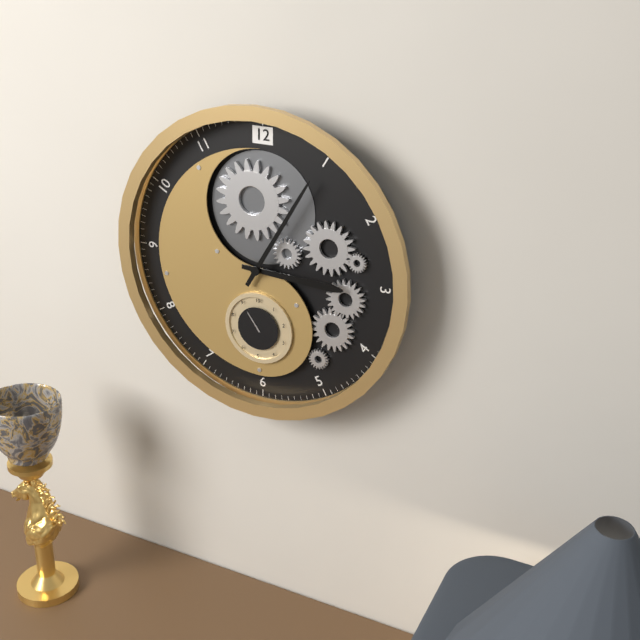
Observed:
3.05
